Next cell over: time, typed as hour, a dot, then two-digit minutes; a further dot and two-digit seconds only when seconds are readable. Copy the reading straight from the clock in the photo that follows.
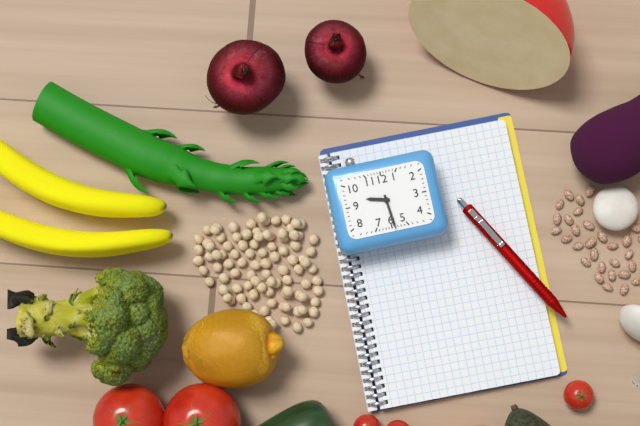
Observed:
9.29
